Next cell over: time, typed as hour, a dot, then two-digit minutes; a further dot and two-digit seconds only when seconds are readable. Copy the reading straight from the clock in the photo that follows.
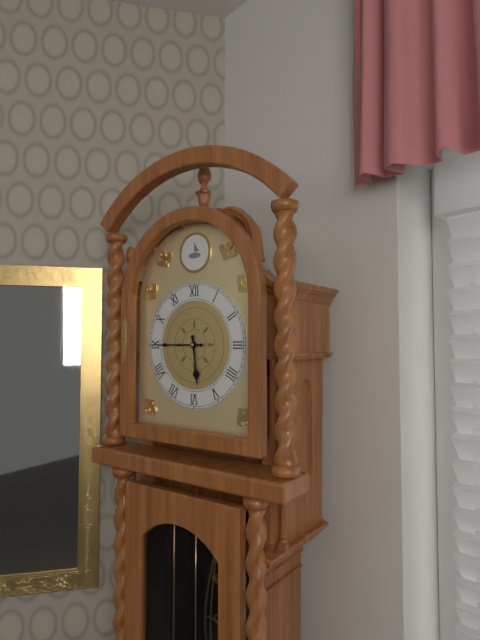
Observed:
5.45
